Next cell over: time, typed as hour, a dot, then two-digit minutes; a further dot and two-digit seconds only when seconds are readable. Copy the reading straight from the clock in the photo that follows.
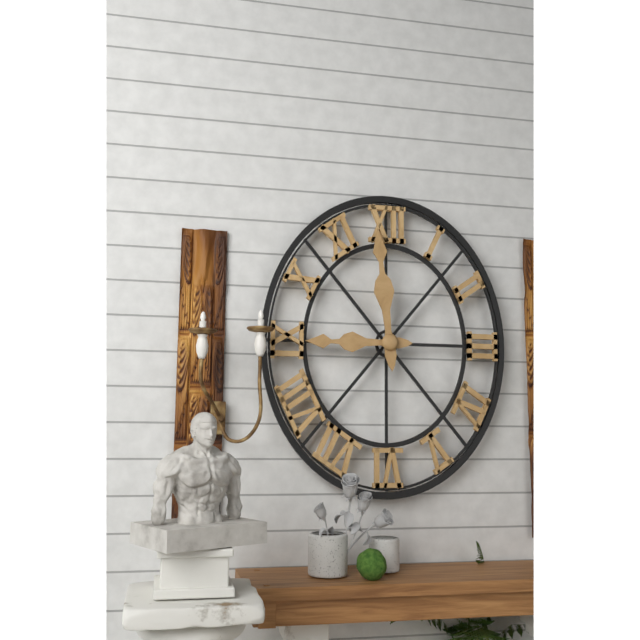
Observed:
8.59
